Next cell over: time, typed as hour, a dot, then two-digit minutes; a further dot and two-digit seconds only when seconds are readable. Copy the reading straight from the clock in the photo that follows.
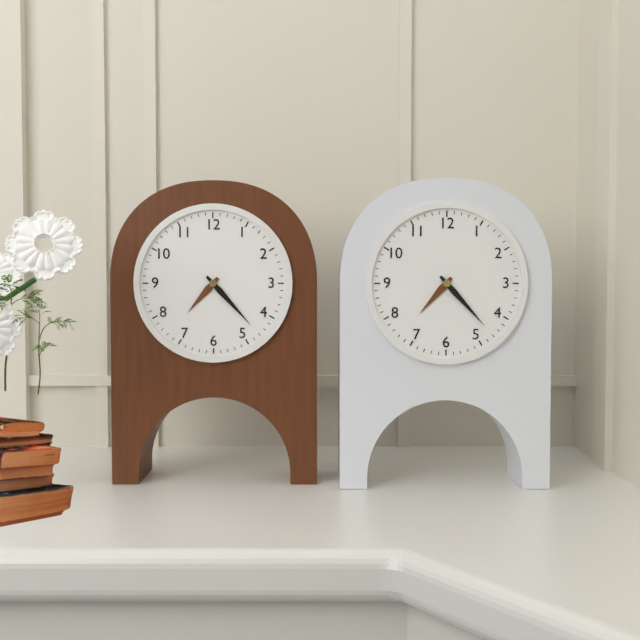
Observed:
7.23
